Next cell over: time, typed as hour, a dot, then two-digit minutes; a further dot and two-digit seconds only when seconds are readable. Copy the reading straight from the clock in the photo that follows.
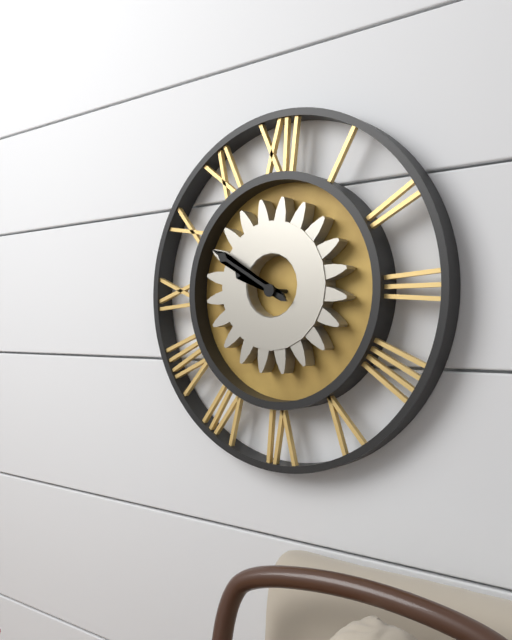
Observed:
9.50
